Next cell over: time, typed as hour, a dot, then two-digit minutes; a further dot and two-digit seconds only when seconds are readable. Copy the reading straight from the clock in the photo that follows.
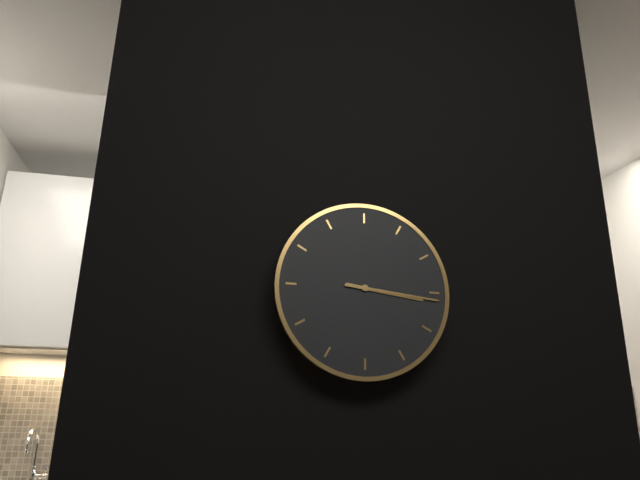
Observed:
3.16
